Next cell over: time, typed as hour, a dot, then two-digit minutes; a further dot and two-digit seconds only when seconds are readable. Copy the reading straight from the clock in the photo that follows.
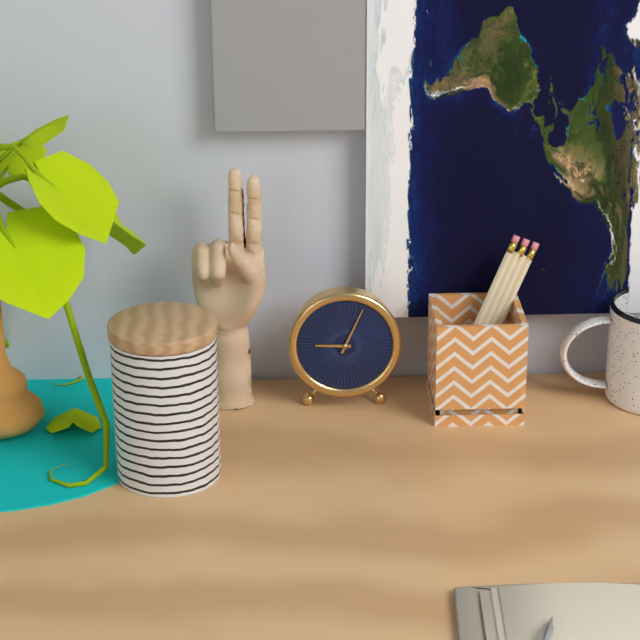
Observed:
9.04
